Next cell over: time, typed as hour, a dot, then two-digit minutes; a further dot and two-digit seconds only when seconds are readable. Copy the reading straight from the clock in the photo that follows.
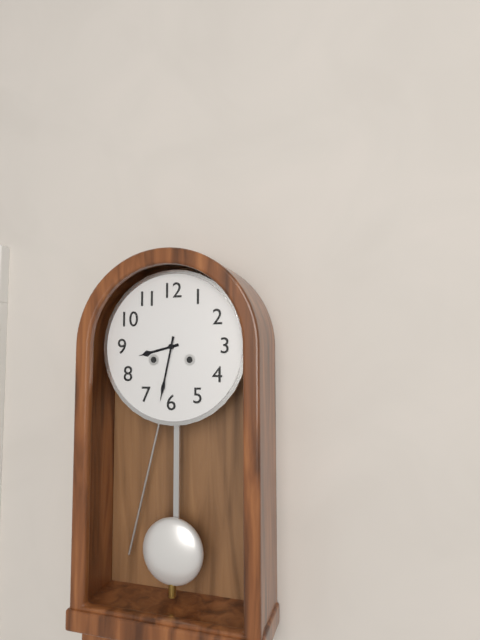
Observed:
8.32
